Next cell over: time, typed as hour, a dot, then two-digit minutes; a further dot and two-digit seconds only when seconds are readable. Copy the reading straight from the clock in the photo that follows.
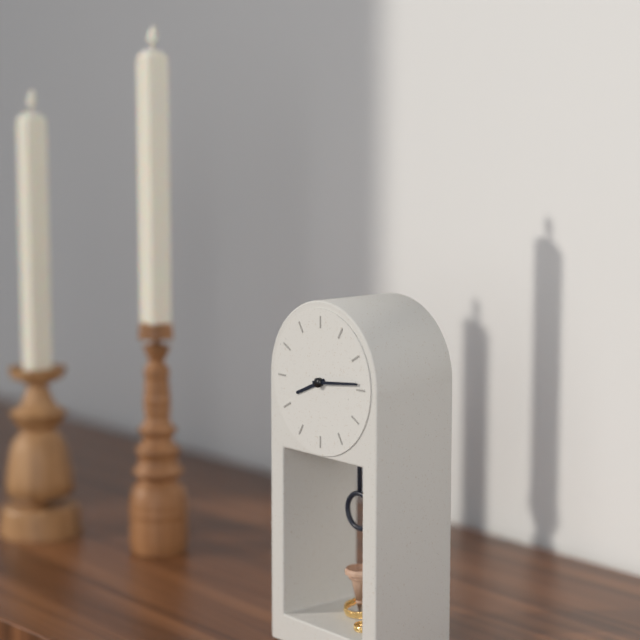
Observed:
8.14
